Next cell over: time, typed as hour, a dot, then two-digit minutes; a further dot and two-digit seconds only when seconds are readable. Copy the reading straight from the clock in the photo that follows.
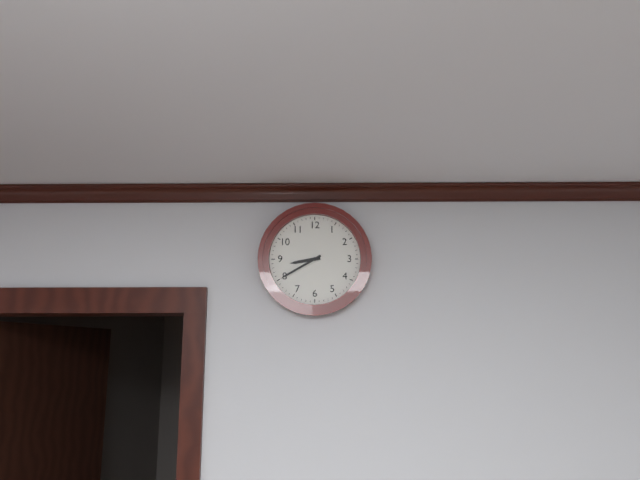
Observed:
8.40
